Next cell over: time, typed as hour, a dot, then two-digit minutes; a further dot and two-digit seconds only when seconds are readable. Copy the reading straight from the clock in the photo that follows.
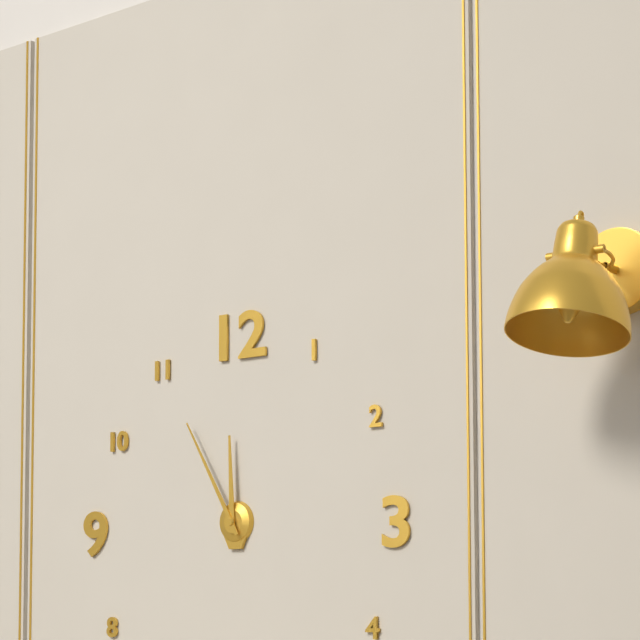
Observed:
11.55
